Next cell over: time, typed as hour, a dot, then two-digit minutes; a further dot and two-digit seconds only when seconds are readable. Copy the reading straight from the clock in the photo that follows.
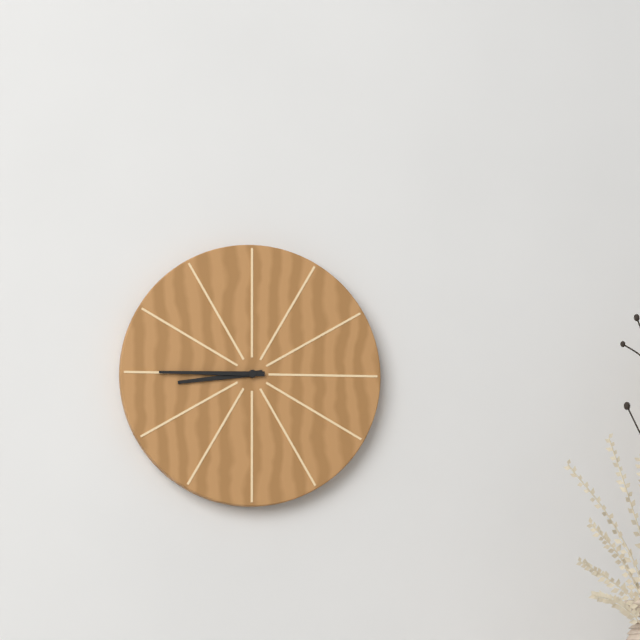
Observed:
8.45
